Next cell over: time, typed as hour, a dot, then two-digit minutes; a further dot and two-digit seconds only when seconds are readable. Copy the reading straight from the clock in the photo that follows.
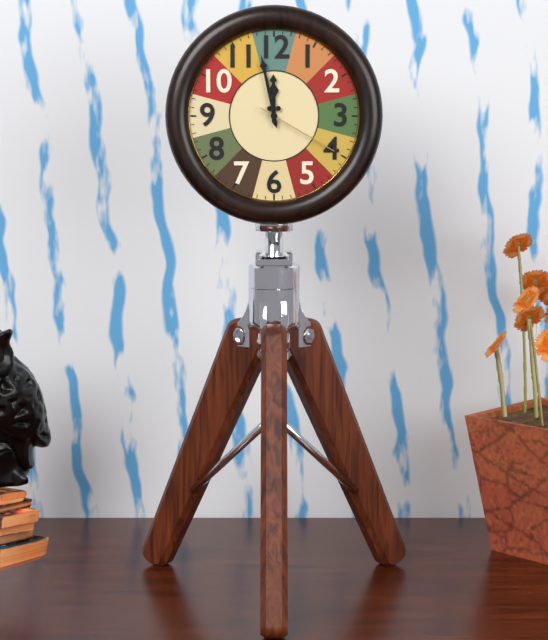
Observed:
11.58.20
